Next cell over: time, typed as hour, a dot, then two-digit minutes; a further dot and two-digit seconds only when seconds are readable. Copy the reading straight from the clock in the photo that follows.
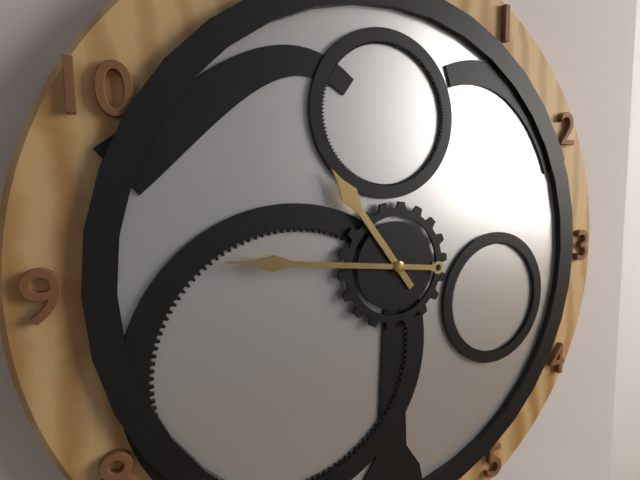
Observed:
10.46
